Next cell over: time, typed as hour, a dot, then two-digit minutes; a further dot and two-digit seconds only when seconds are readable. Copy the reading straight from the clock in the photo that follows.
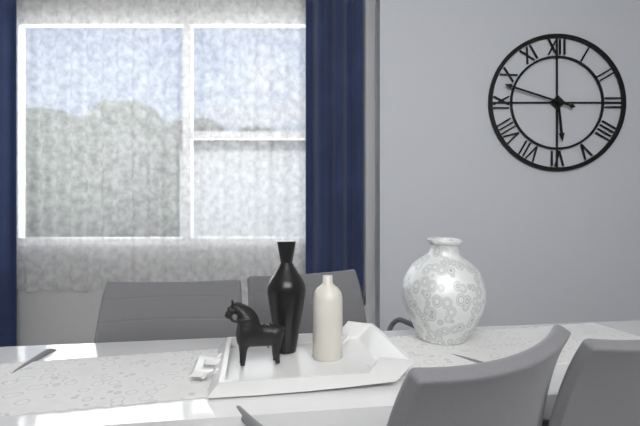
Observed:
5.48
